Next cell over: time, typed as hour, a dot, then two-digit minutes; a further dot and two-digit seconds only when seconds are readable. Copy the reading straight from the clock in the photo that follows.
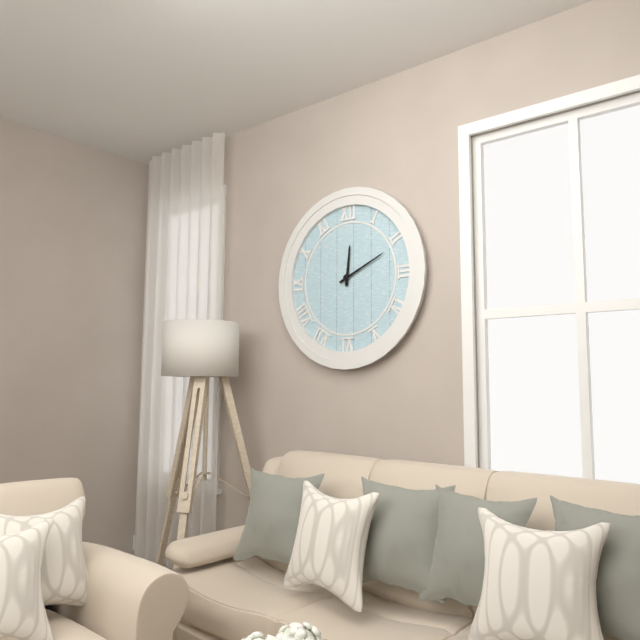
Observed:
12.11
